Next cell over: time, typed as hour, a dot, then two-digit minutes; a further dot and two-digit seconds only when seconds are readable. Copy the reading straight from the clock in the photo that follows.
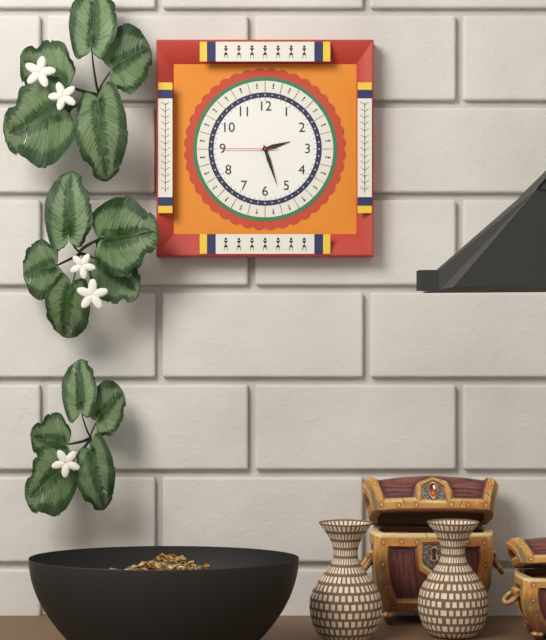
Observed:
2.27.45
